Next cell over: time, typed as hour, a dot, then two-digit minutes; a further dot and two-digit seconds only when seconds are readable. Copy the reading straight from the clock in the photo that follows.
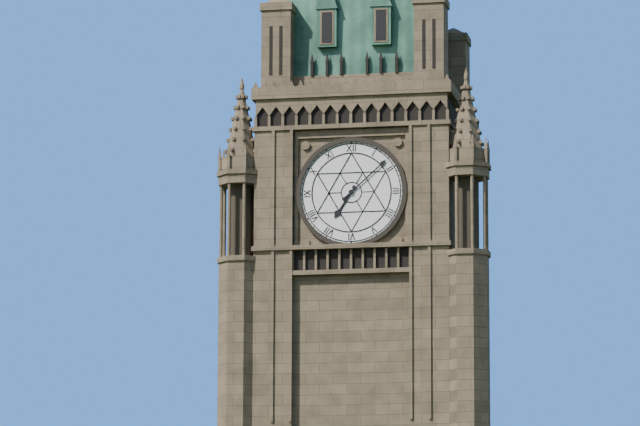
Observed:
7.08
